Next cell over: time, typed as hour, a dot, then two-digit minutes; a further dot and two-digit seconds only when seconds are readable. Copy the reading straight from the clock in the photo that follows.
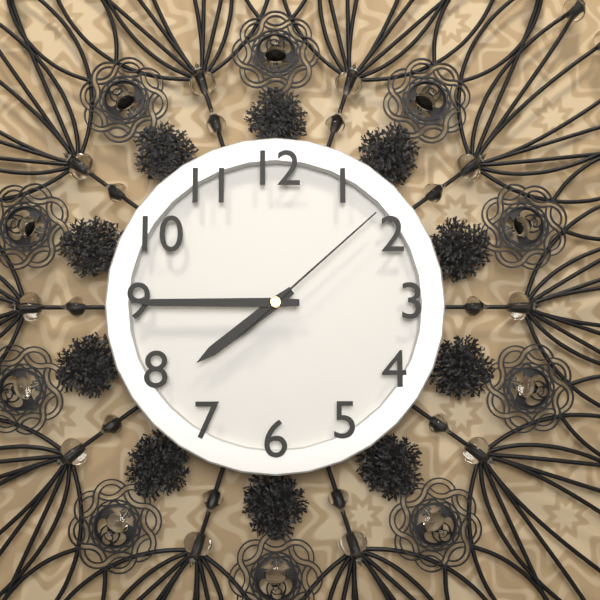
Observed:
7.45.08
